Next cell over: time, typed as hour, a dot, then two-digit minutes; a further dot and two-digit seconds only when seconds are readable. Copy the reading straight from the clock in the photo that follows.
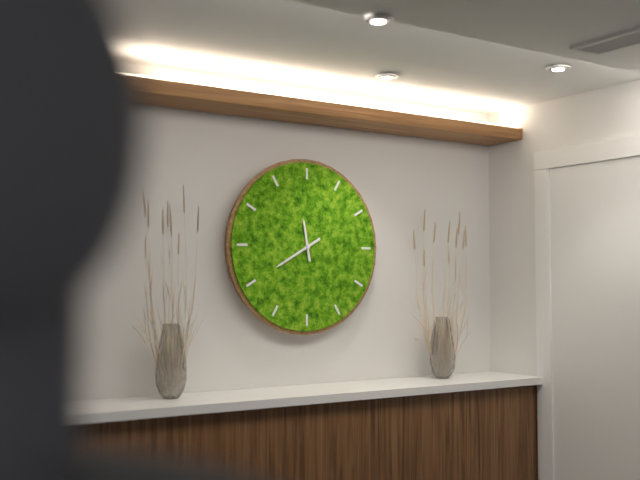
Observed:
11.40
